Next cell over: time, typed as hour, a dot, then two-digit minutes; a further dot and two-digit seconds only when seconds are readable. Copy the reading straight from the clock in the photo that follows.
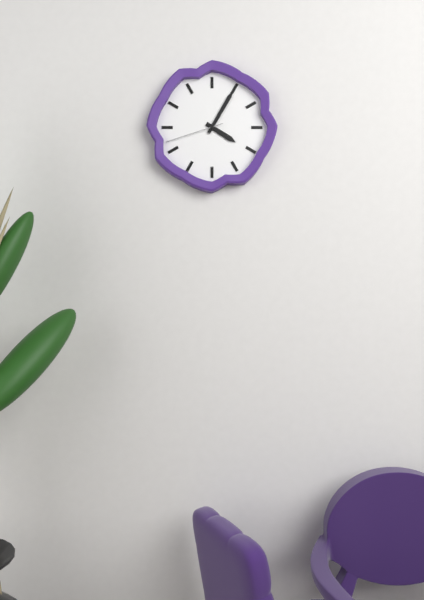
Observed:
4.05.42
